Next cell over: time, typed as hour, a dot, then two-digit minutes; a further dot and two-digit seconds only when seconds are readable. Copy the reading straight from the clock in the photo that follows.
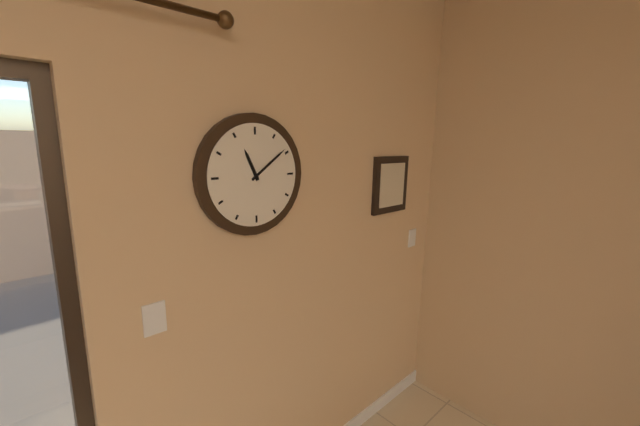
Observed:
11.09
